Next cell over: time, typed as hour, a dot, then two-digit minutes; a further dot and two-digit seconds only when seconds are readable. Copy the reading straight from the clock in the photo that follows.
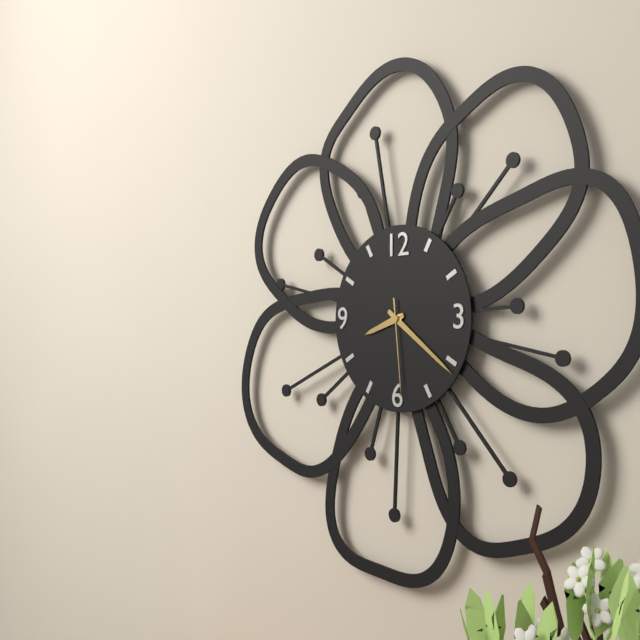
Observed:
8.21.29
